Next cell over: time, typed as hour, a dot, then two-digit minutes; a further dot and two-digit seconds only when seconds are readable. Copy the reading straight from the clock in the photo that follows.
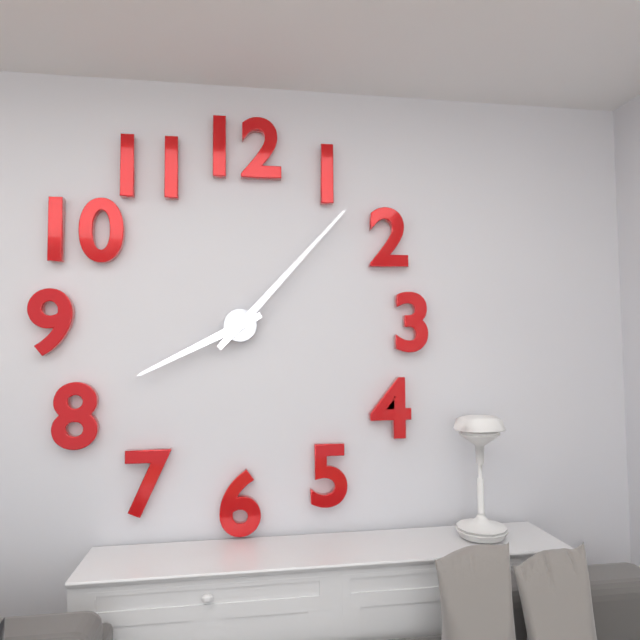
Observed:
8.07
